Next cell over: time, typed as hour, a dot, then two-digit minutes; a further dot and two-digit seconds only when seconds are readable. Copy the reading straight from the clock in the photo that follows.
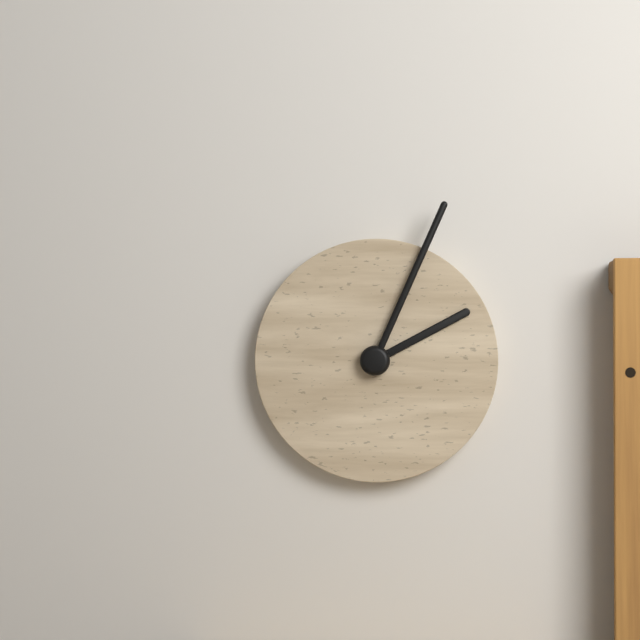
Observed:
2.04
